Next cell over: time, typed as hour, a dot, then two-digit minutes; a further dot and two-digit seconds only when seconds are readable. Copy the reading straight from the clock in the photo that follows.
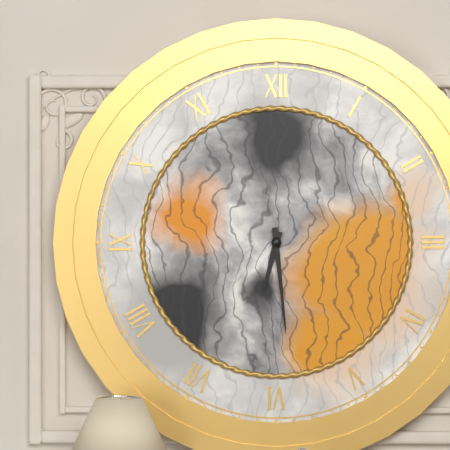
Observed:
6.29
